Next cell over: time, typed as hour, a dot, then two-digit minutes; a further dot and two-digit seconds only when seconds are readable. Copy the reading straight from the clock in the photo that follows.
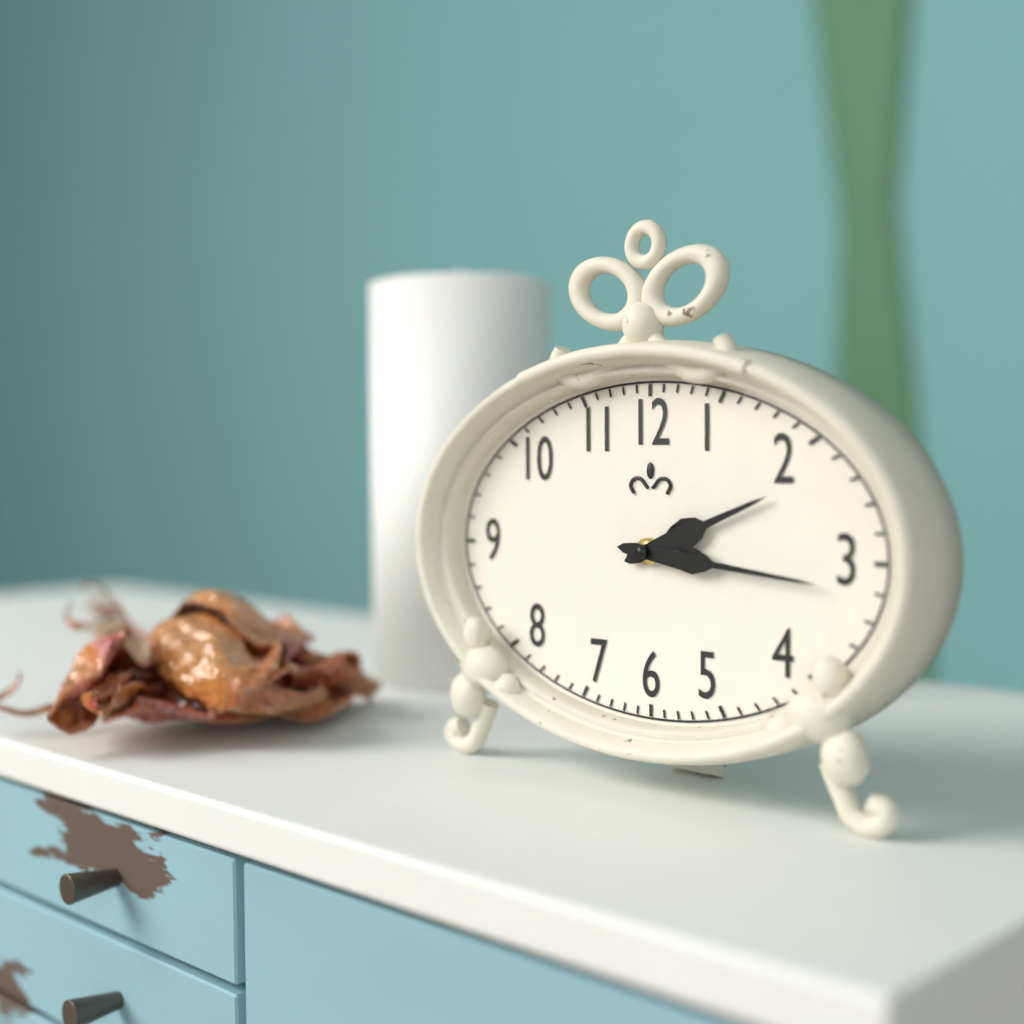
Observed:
2.16
